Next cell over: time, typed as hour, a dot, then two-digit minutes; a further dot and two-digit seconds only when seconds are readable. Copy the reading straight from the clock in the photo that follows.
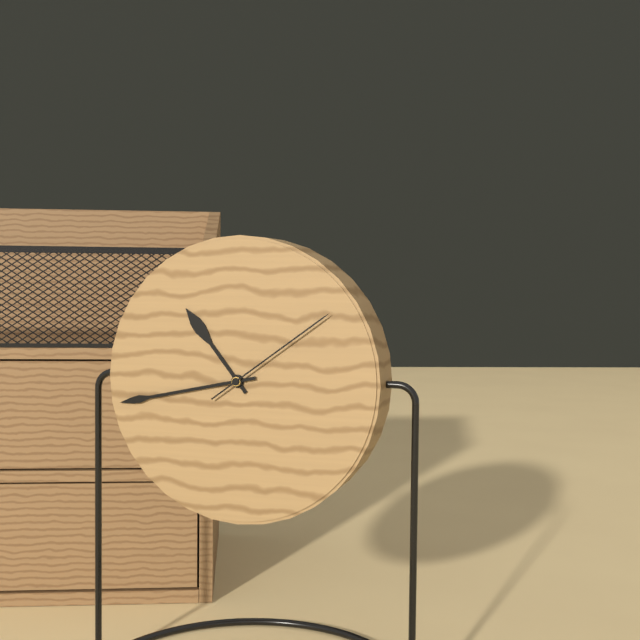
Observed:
10.43.09
